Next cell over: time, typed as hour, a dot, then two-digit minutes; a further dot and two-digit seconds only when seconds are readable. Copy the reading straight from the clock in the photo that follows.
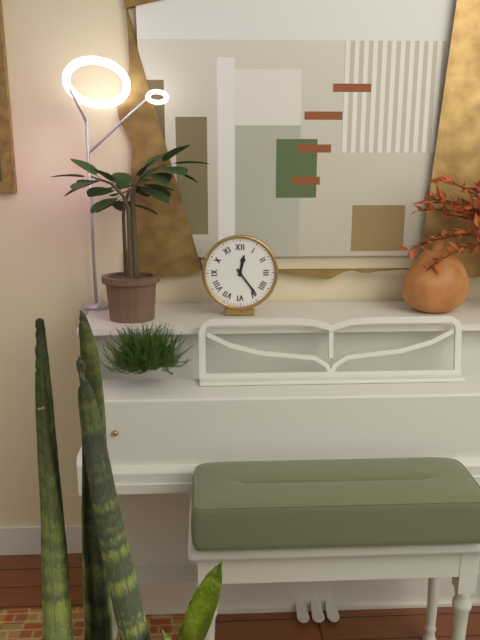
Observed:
12.24
